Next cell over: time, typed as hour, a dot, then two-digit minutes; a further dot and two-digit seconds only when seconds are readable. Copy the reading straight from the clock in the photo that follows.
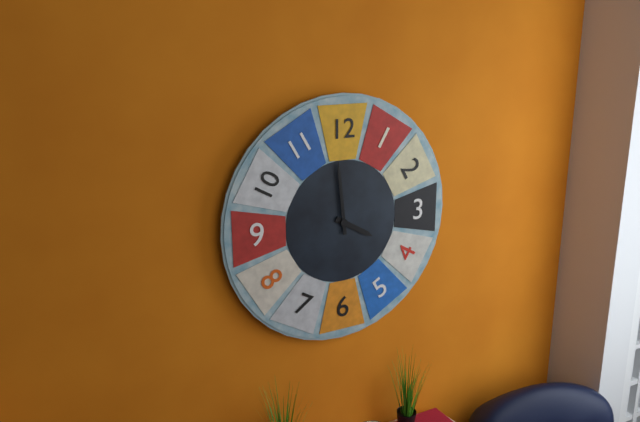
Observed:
3.59
